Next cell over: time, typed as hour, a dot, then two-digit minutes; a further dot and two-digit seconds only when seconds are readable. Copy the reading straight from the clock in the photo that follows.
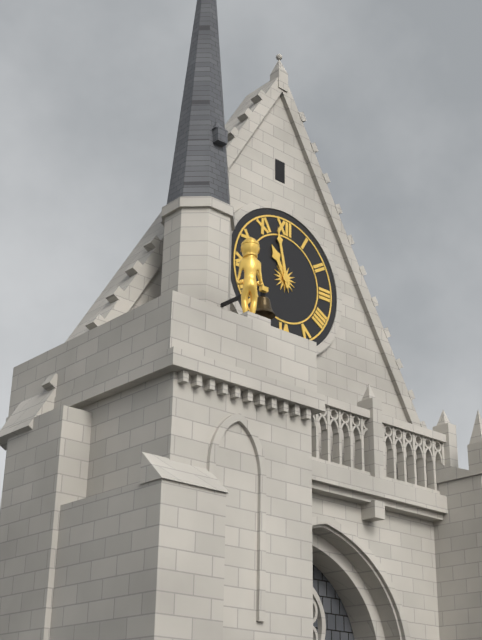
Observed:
10.58
